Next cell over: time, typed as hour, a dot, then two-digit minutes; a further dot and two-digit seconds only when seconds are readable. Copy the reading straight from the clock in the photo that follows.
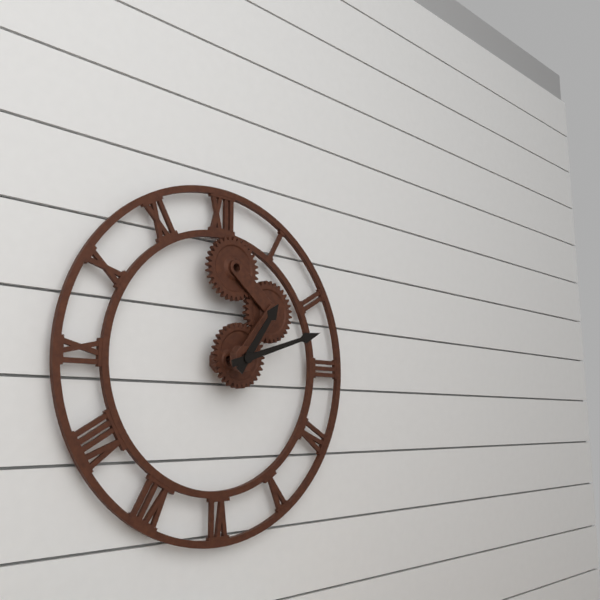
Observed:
1.12
